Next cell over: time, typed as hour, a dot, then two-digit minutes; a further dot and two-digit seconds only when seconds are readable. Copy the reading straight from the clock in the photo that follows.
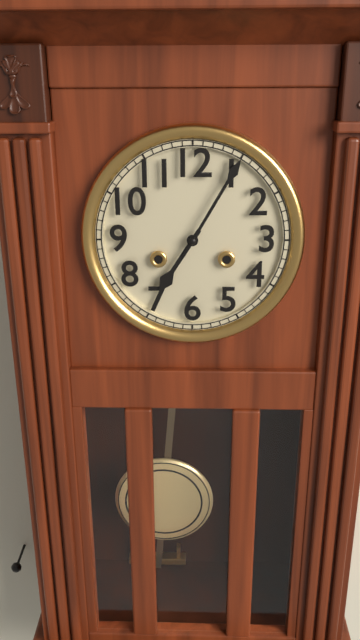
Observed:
7.05
